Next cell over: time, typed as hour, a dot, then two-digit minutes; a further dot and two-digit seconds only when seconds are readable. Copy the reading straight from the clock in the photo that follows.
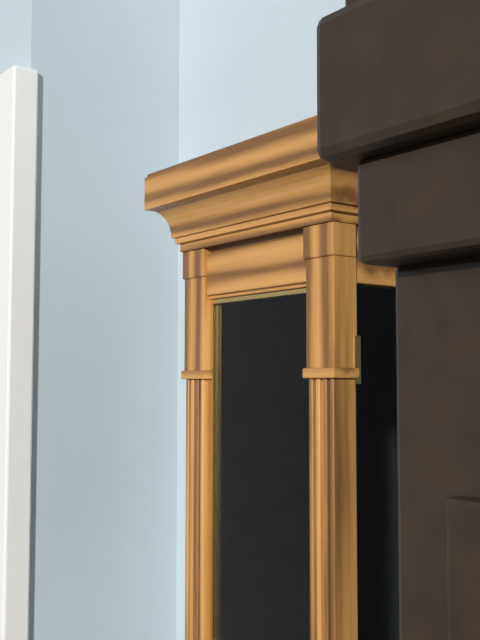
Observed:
7.26
